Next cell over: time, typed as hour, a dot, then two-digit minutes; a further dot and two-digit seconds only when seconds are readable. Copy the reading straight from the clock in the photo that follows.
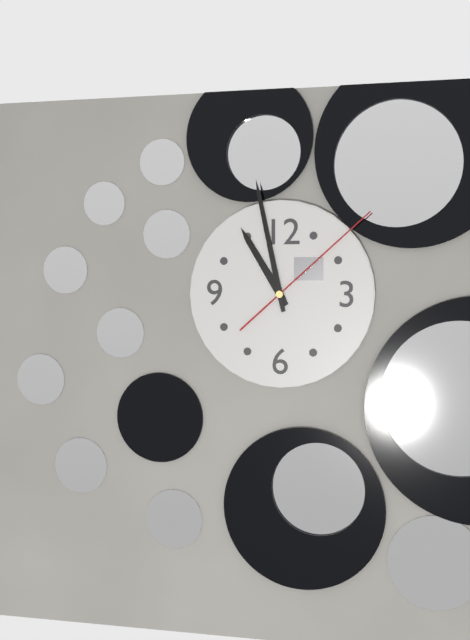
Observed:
10.58.08
